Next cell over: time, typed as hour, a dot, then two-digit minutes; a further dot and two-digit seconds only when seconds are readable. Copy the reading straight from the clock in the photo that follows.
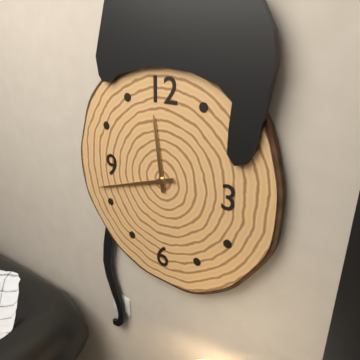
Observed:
11.42
